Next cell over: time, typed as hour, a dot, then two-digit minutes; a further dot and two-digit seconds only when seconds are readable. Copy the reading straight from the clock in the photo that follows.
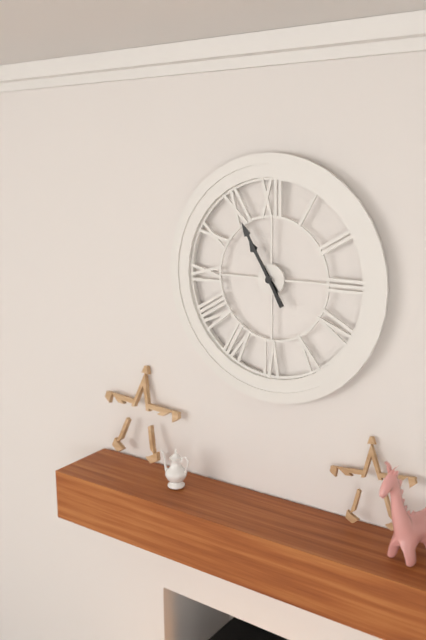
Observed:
10.55
